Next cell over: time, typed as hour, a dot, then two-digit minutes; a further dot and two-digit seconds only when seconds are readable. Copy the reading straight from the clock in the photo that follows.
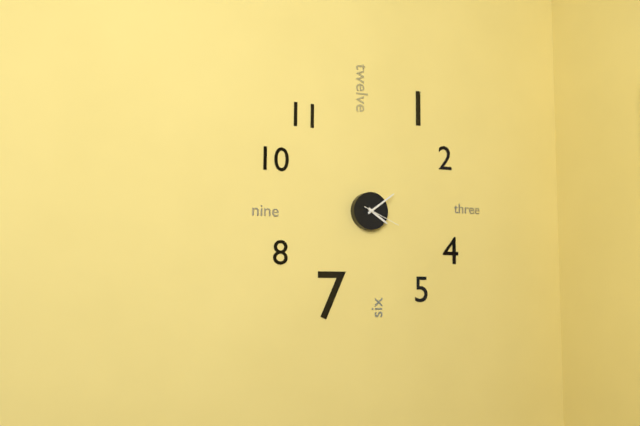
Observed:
4.09
